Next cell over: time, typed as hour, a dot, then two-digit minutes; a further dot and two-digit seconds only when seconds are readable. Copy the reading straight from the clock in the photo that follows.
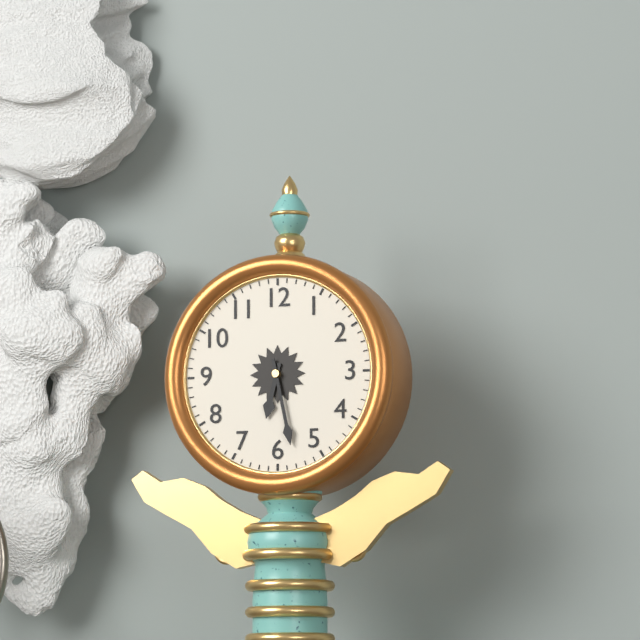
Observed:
6.28
